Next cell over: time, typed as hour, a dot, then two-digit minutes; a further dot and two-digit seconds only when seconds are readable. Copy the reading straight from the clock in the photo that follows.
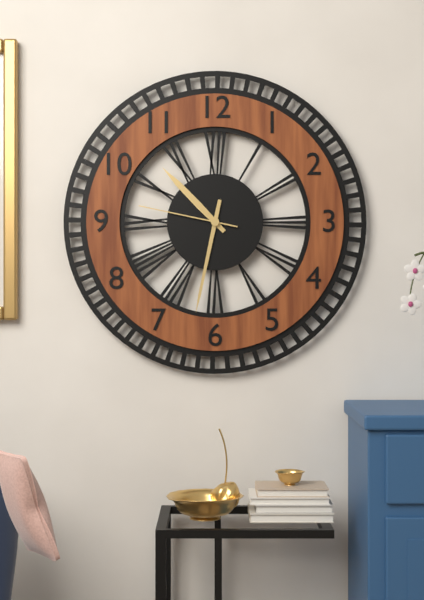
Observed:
10.32.47
